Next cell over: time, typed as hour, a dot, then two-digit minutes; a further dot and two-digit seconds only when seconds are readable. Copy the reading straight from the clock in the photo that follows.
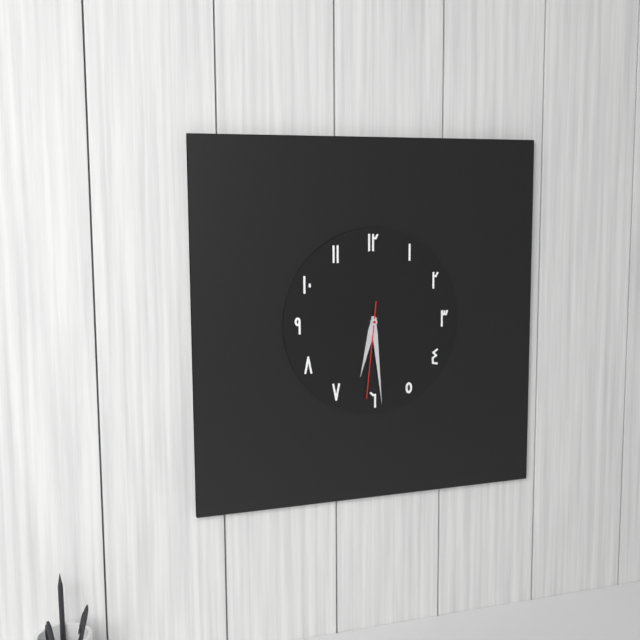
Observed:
6.29.31
